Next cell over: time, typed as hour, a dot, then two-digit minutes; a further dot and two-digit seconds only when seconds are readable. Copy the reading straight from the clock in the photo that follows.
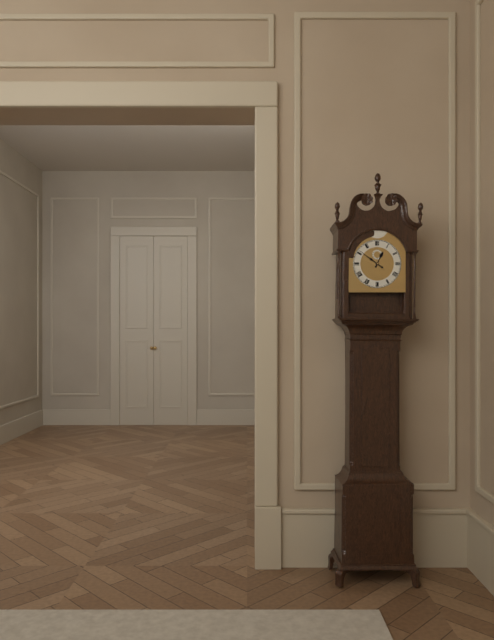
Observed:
12.51
